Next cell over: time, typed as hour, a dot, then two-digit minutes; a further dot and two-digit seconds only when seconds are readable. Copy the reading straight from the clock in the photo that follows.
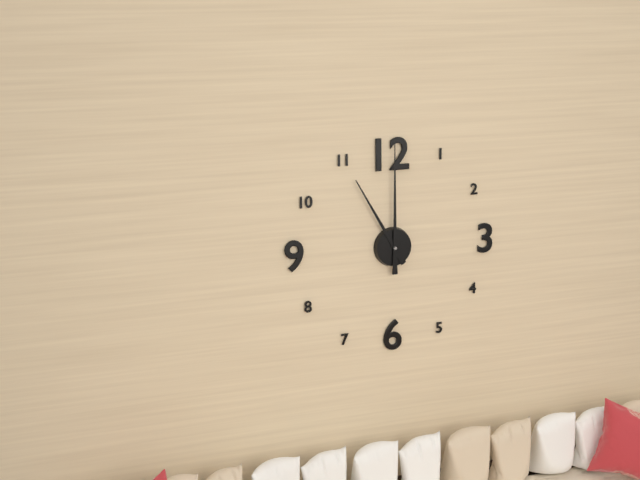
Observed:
11.00
